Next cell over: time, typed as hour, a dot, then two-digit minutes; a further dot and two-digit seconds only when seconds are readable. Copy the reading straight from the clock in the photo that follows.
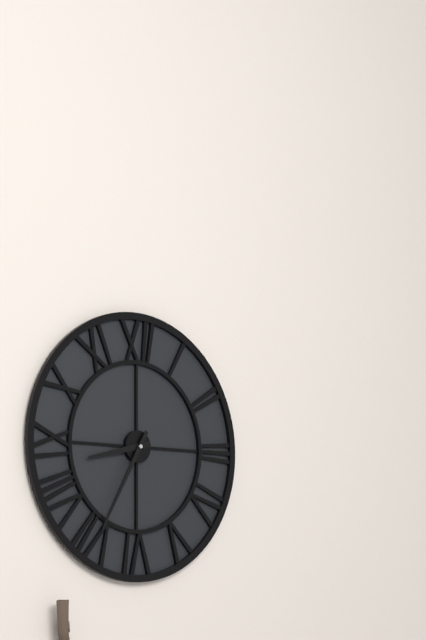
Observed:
8.35
